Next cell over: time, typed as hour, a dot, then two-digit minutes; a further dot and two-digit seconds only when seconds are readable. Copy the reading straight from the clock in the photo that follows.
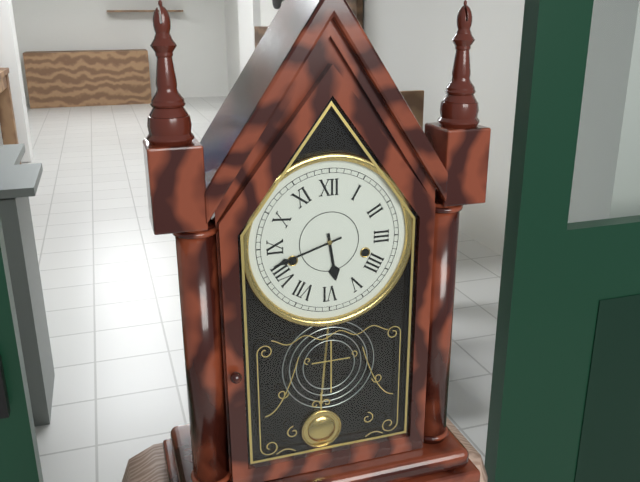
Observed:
5.42
